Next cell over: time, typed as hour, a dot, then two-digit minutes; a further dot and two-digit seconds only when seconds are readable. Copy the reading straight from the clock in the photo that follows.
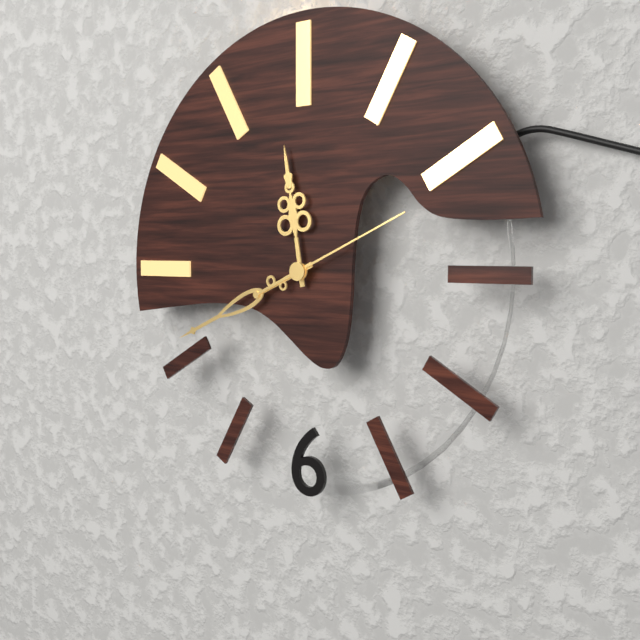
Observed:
11.41.11
